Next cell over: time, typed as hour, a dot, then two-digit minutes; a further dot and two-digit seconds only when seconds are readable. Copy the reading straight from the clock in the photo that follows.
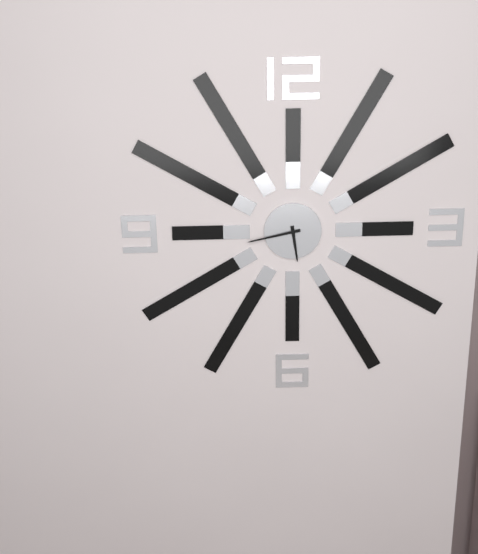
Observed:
5.43
